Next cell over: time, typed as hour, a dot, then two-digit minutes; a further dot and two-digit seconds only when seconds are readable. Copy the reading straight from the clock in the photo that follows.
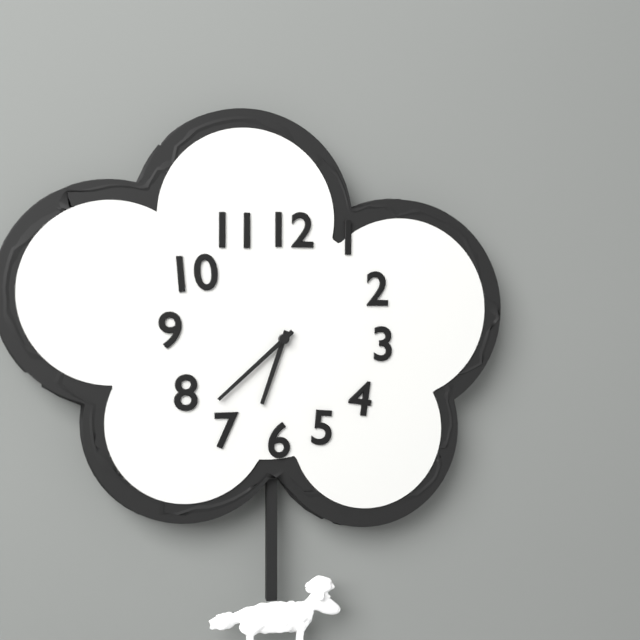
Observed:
6.38
